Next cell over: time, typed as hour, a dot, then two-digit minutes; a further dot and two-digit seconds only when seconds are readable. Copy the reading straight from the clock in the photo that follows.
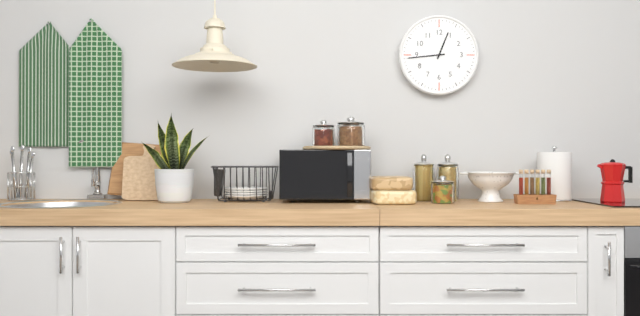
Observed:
12.44
